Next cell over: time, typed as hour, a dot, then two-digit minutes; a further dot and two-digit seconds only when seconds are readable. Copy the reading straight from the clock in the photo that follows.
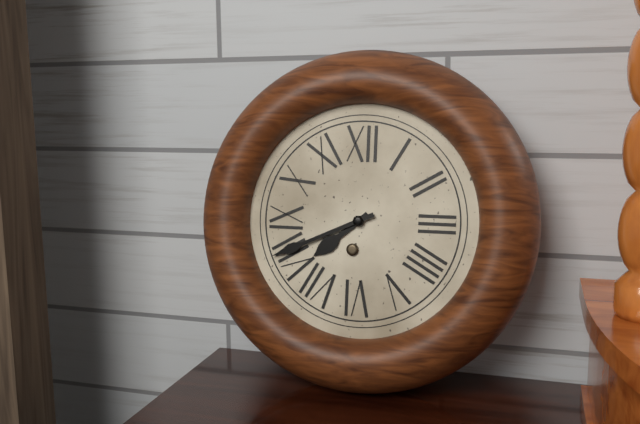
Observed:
7.41
